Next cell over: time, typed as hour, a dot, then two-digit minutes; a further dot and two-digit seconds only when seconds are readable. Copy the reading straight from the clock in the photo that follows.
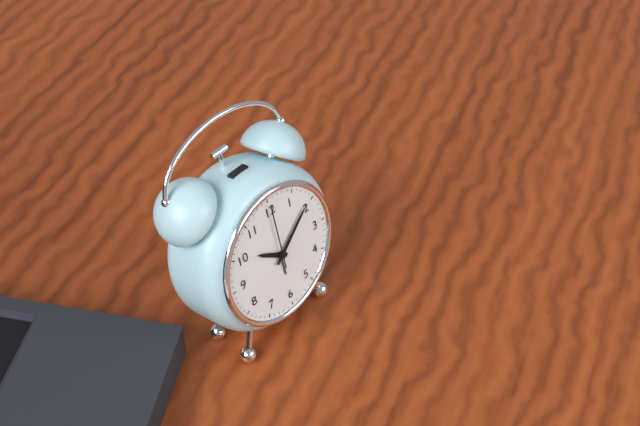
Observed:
10.09.00
